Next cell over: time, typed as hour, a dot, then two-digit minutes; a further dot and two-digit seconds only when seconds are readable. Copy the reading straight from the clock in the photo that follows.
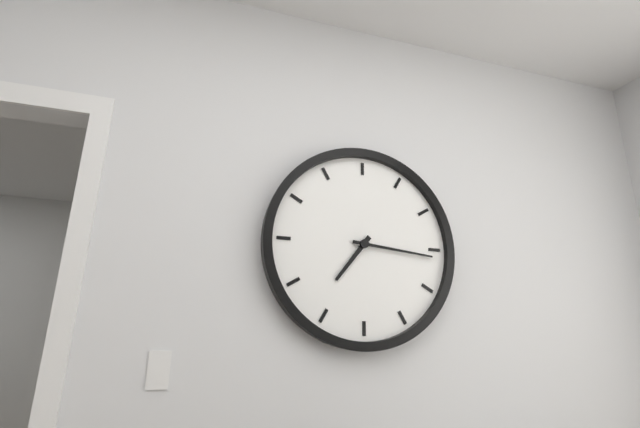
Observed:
7.16
